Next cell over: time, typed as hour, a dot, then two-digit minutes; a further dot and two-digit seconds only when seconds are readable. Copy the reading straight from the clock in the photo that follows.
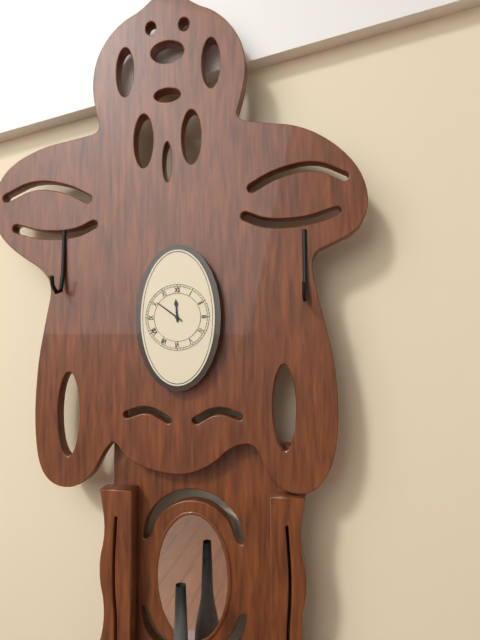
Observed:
11.51
